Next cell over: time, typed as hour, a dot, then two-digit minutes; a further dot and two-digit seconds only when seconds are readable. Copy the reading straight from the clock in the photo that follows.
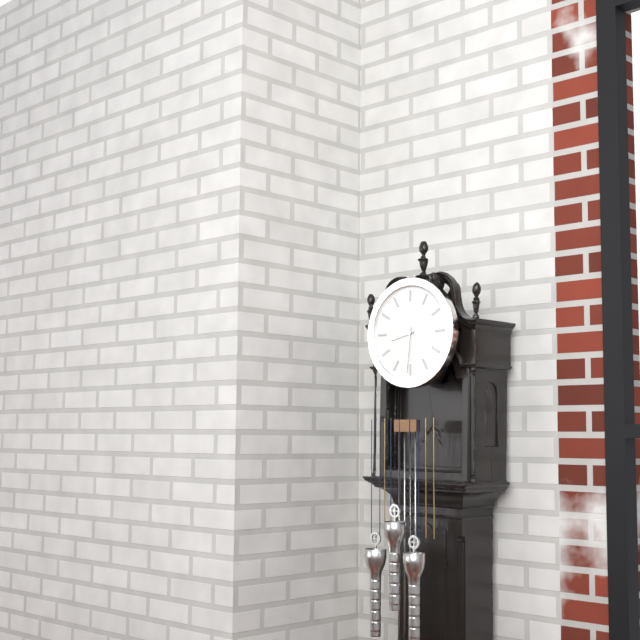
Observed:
8.31
